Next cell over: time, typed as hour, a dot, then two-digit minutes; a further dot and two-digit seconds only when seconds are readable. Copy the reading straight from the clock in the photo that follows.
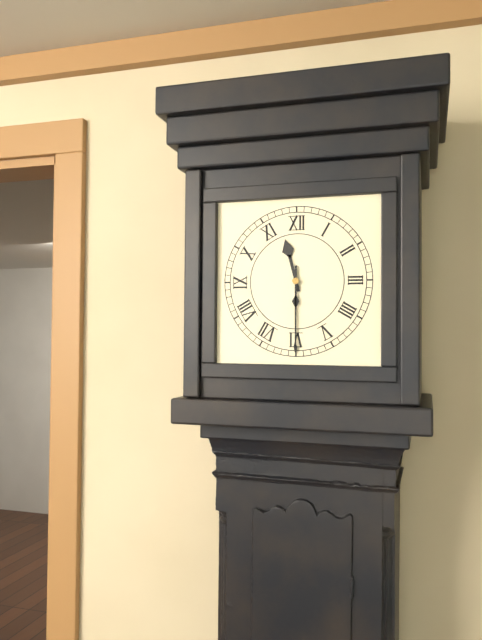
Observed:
11.30
